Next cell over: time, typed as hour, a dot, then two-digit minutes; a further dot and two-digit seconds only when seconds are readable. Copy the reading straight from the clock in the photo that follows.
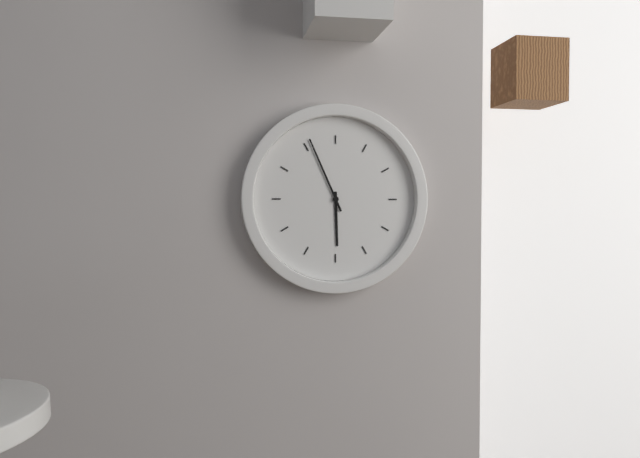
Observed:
5.56
